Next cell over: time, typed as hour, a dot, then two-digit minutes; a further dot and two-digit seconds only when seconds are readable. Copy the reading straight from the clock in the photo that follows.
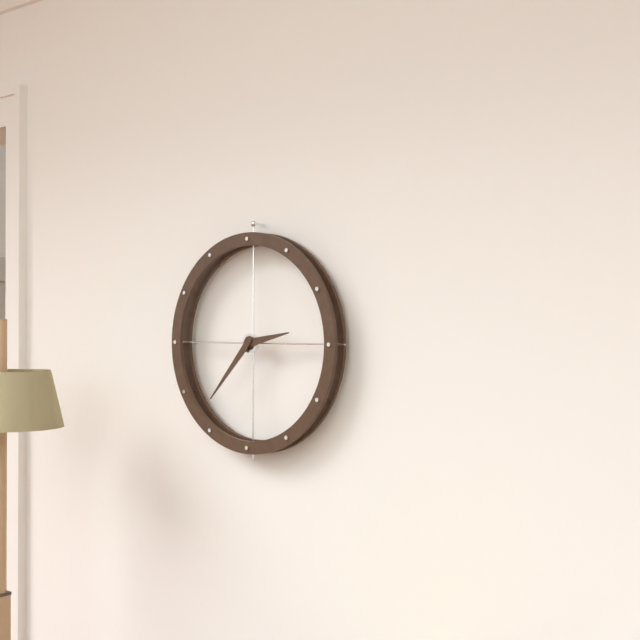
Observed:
2.37
